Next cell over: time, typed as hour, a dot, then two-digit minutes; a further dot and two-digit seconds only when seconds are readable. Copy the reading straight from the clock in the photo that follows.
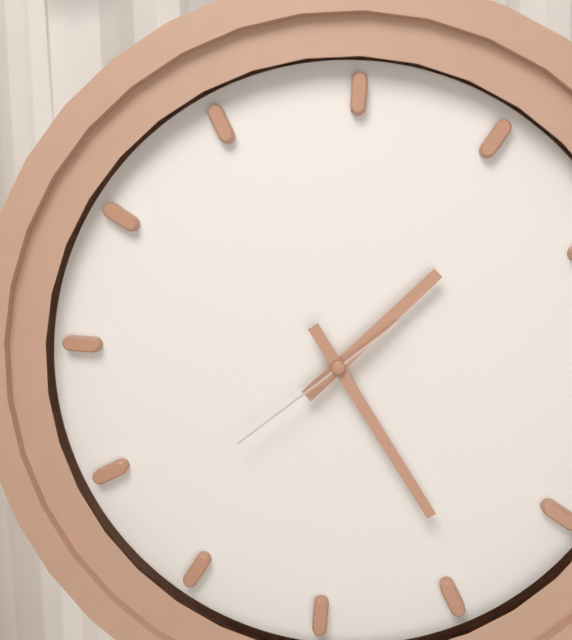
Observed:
1.24.38
